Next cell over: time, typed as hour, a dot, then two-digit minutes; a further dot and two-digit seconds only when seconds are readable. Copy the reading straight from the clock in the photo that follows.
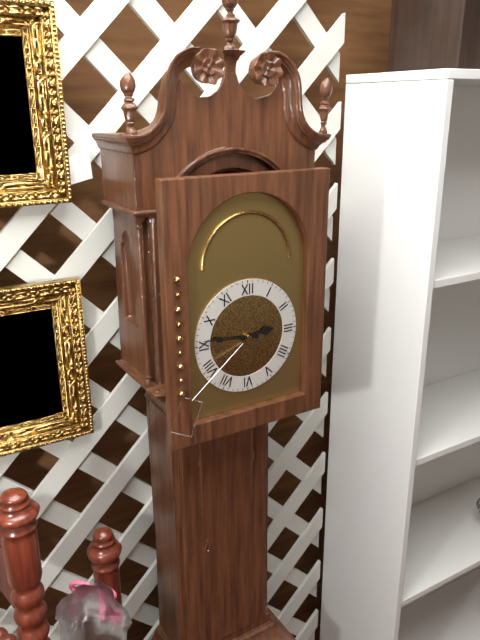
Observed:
2.46
